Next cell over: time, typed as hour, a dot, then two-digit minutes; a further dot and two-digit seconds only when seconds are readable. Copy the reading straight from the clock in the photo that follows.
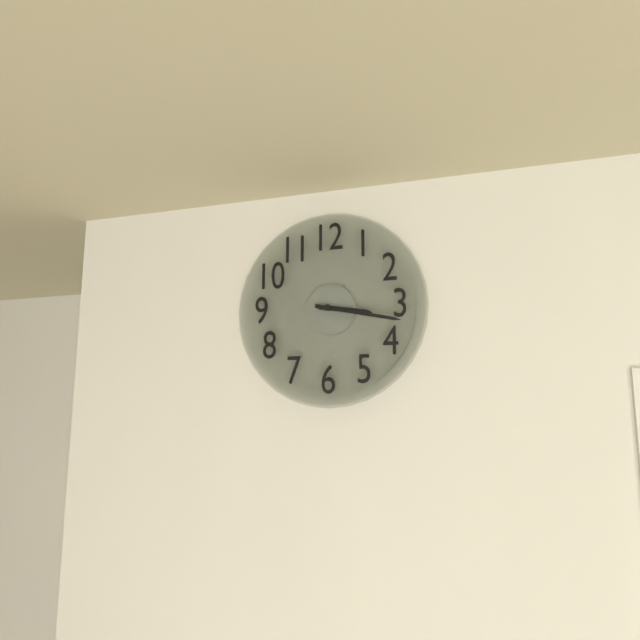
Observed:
3.17
